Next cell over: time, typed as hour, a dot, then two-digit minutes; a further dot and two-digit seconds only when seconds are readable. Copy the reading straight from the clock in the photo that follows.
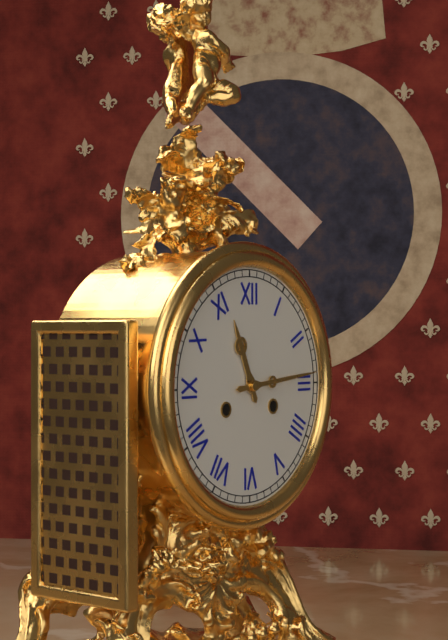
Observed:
11.14
